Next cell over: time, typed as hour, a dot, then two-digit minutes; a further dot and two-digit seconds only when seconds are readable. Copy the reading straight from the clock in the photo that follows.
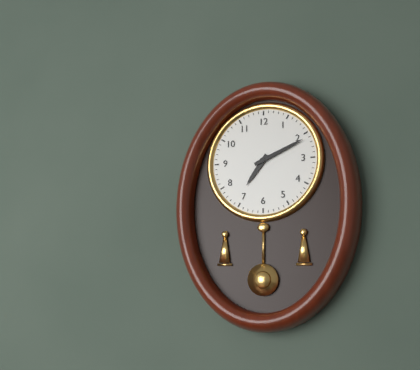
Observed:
7.11
